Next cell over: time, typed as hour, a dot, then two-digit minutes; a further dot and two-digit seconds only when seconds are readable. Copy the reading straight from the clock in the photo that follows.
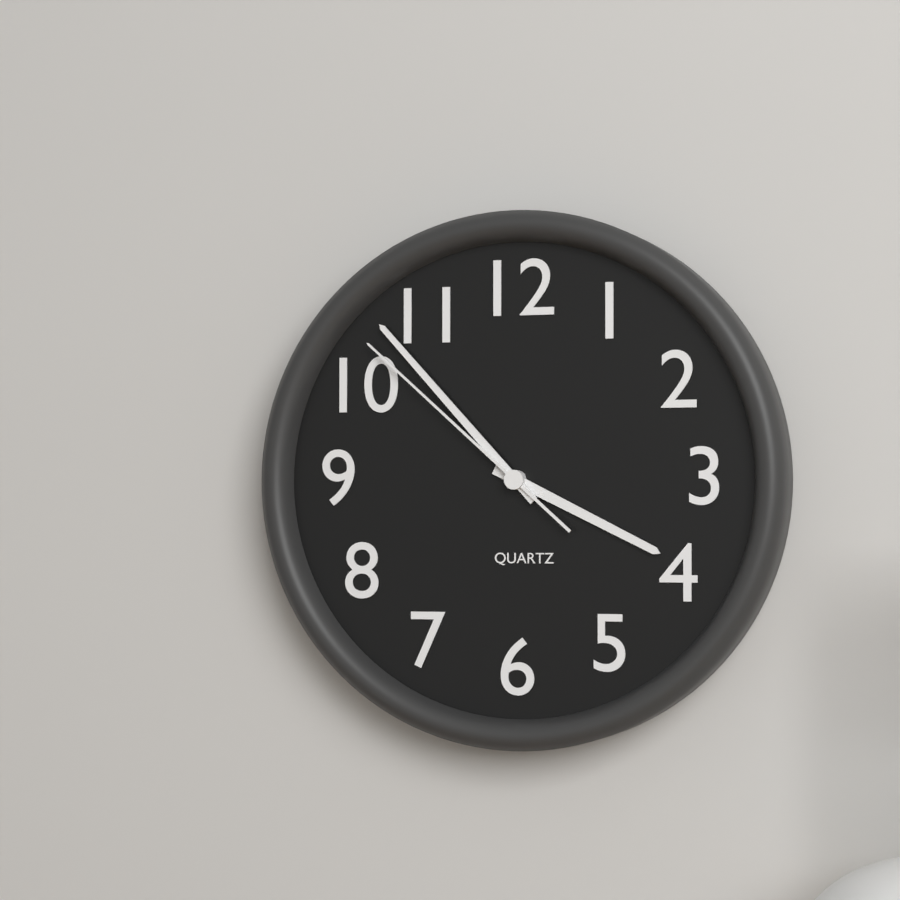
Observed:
3.53.52
